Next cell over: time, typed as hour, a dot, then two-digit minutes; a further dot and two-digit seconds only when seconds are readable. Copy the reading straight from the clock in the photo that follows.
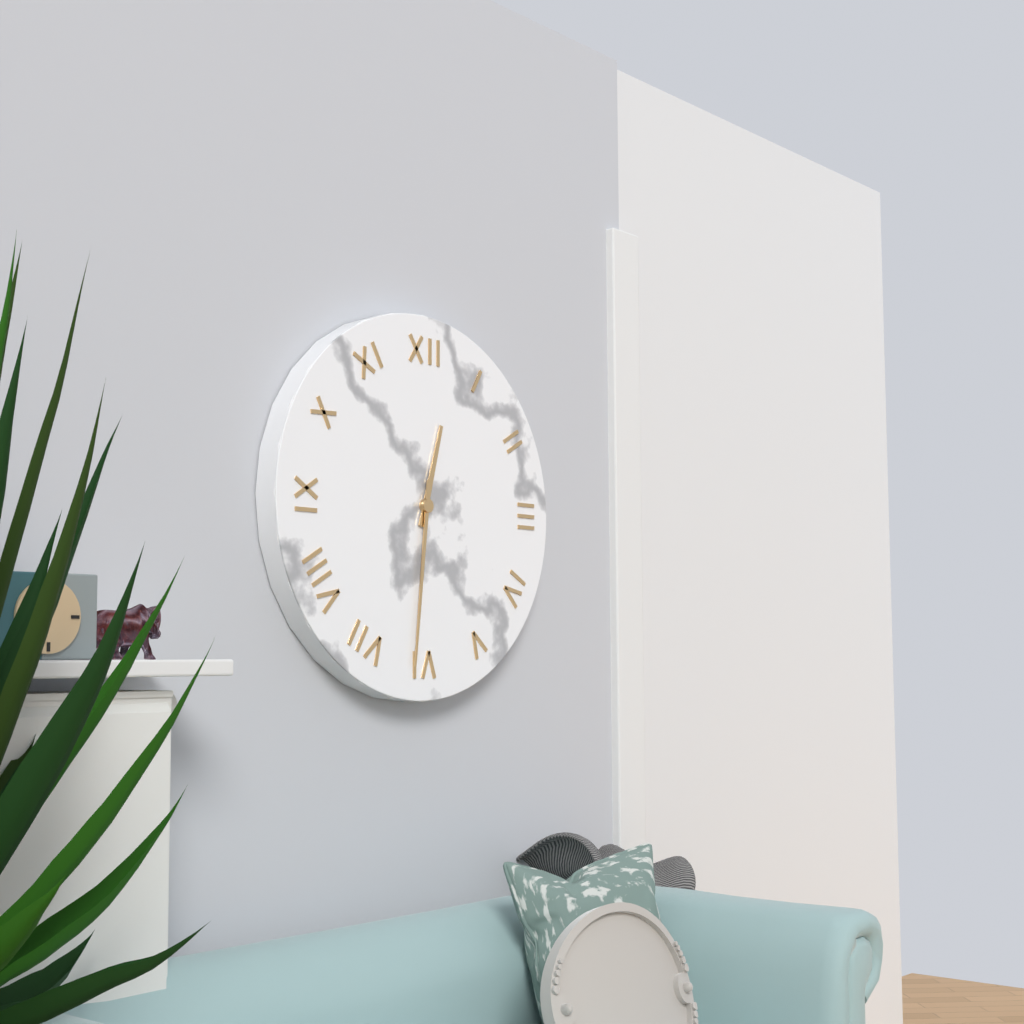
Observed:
12.31
